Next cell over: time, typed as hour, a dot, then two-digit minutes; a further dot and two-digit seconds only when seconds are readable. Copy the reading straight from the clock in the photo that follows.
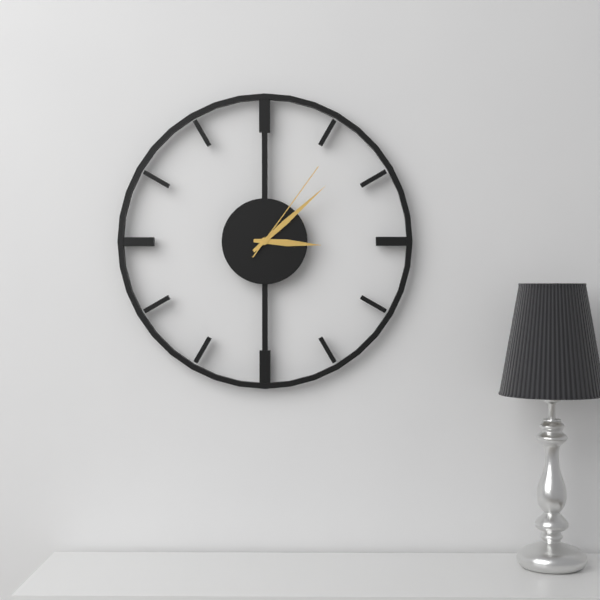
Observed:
3.08.06
